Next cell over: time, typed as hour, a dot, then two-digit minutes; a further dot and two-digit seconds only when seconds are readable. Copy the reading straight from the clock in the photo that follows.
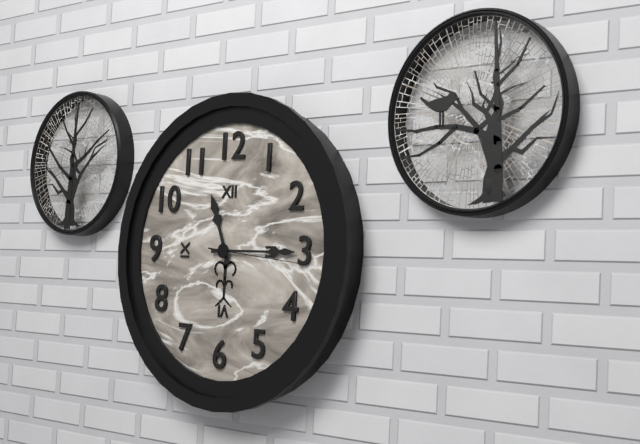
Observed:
11.15.16
